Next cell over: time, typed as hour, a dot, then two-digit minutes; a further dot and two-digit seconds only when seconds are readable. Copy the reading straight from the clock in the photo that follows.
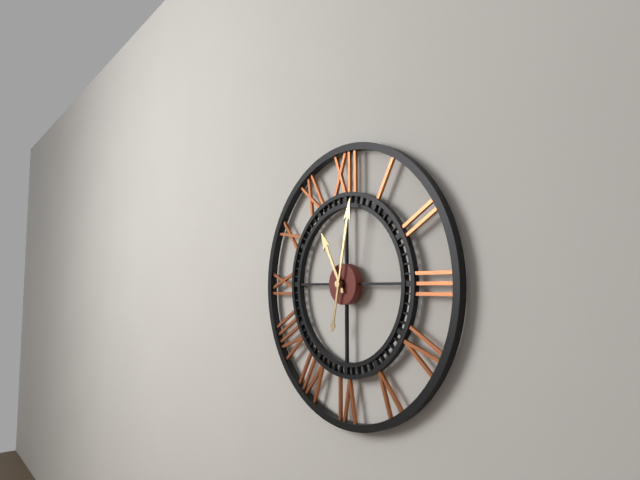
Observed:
11.02
